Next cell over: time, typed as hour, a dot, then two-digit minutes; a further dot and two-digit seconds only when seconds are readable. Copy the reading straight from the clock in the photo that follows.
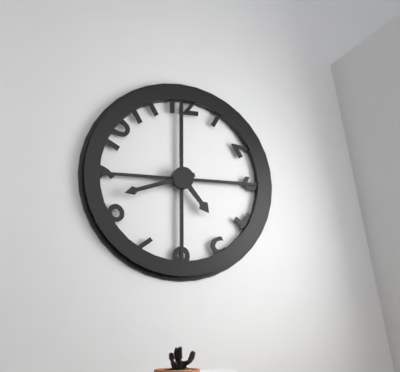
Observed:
4.42
